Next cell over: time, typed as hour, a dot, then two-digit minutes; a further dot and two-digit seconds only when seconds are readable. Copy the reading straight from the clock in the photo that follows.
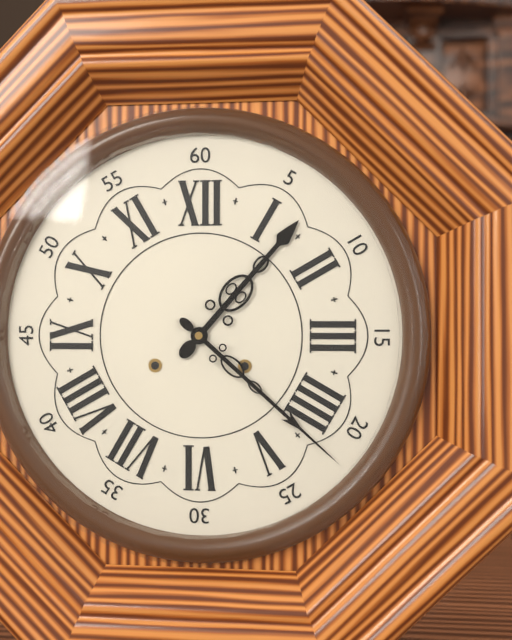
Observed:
1.22
